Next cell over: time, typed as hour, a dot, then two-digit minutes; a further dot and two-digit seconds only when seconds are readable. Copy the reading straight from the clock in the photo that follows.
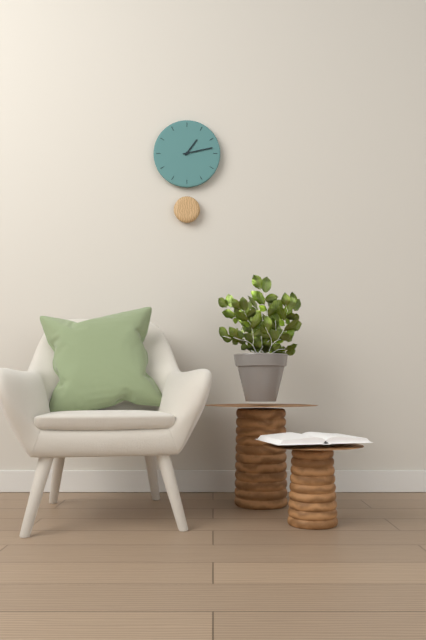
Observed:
1.13
